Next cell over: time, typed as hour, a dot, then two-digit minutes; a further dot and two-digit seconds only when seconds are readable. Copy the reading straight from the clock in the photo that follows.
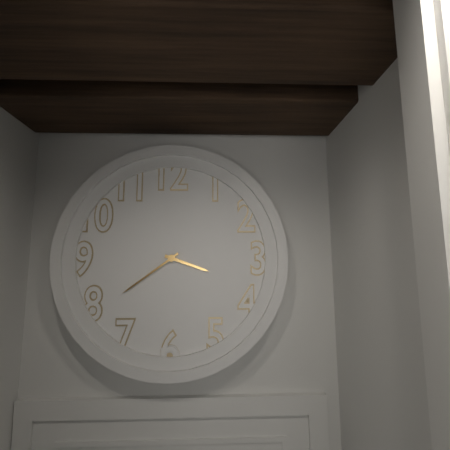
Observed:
3.39
